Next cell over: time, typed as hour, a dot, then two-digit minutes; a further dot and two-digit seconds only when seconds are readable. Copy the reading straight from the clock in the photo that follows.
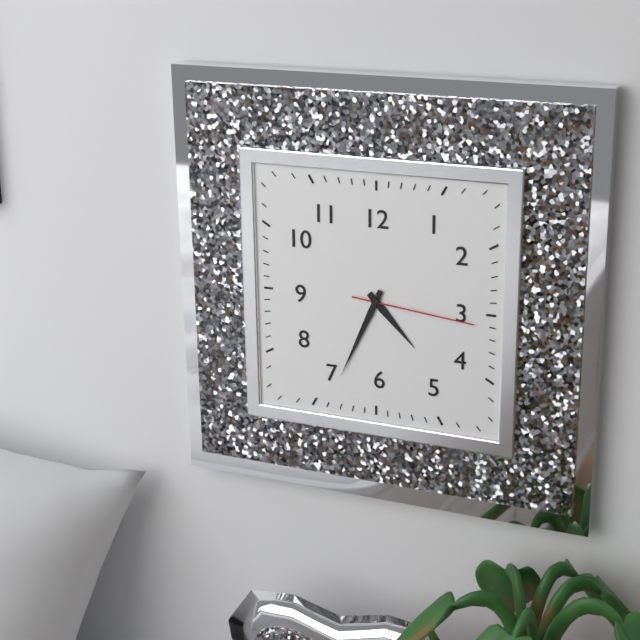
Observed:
4.34.16
